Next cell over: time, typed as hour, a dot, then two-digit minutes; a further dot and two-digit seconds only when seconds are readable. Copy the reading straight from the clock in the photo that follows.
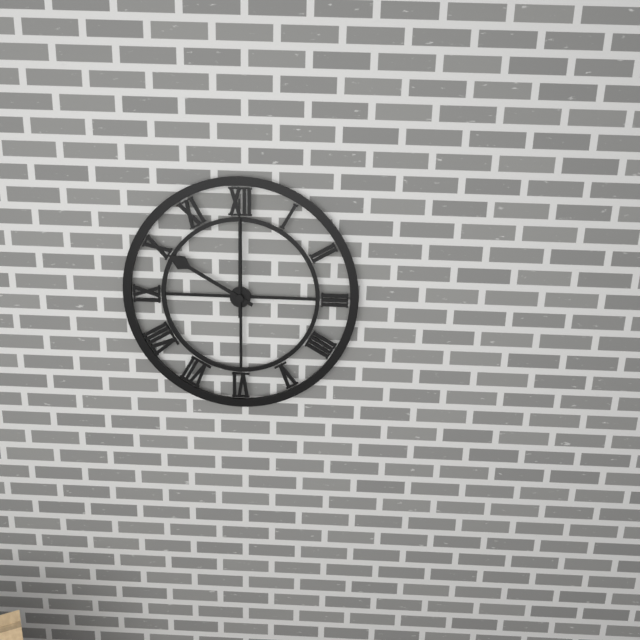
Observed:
10.00
